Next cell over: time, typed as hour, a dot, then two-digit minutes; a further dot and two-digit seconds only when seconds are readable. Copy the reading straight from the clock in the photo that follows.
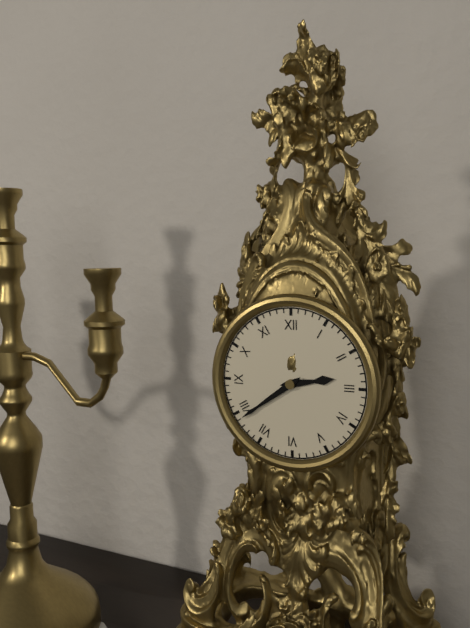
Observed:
2.39
